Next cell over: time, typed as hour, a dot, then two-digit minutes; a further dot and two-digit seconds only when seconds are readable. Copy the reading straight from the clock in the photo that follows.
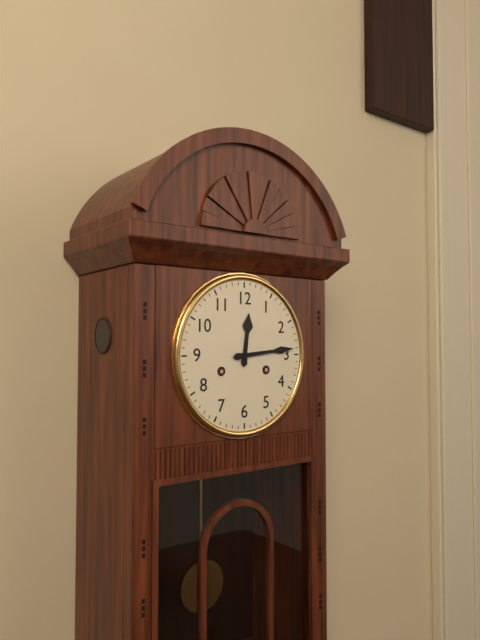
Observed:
12.14
